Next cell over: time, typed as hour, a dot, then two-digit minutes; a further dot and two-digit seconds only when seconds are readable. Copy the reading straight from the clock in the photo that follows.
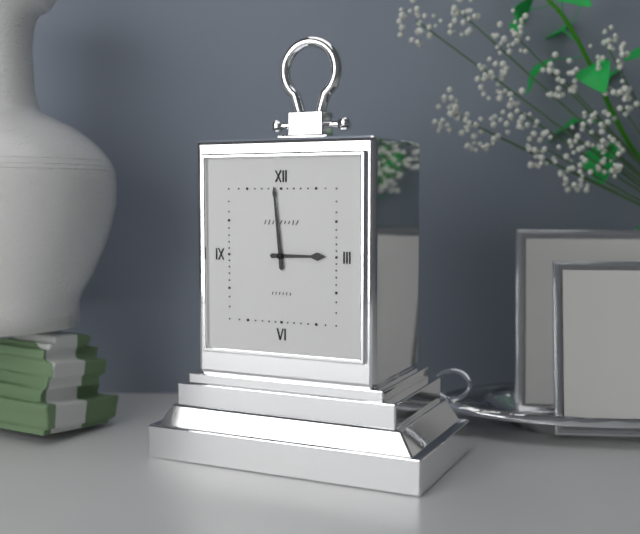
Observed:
2.59
